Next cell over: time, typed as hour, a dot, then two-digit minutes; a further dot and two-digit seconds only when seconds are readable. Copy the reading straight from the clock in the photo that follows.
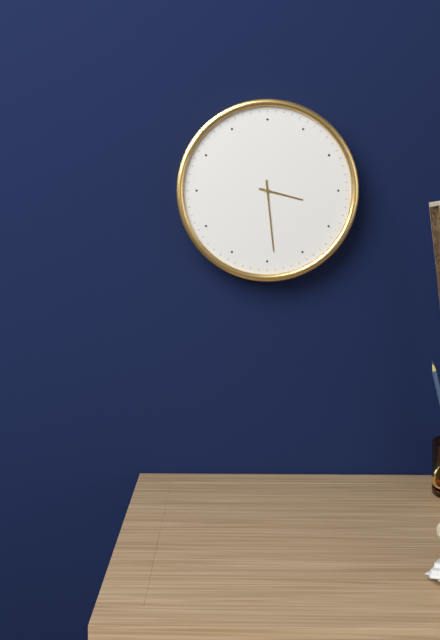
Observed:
3.29
